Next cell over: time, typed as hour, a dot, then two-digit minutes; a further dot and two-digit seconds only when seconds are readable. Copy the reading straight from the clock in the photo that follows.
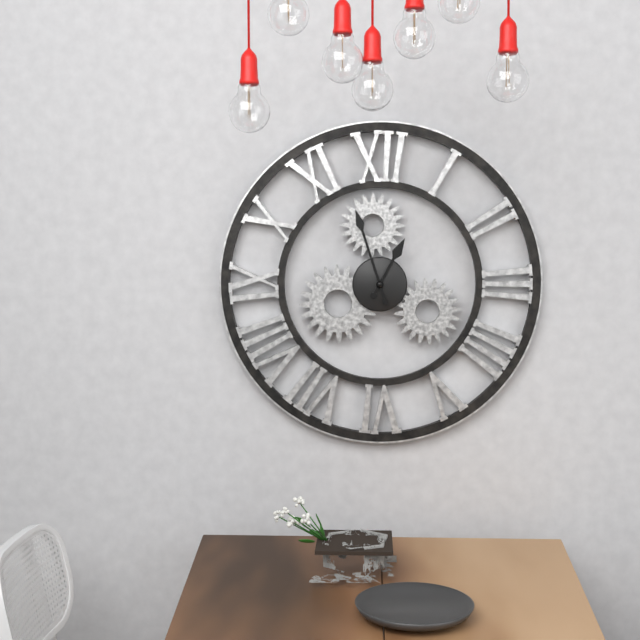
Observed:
12.57
